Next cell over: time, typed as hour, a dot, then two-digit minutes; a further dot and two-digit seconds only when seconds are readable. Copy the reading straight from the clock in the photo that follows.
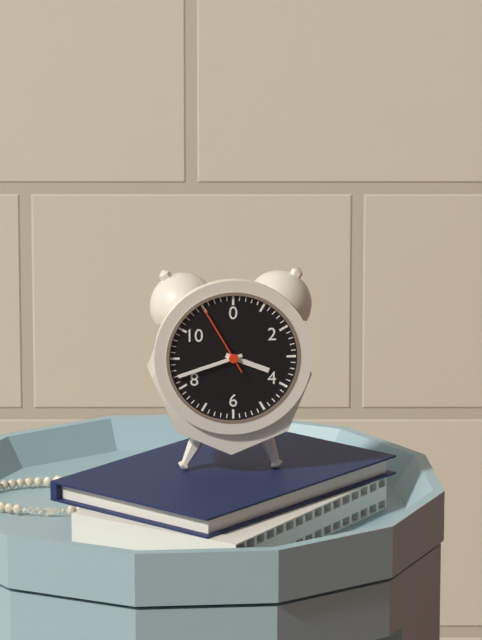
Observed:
3.42.55
